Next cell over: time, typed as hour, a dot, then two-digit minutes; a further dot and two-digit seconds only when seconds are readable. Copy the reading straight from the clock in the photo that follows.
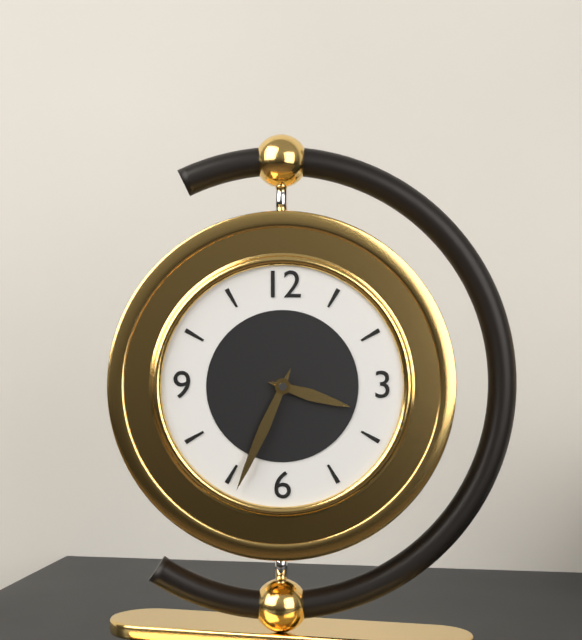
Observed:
3.34
